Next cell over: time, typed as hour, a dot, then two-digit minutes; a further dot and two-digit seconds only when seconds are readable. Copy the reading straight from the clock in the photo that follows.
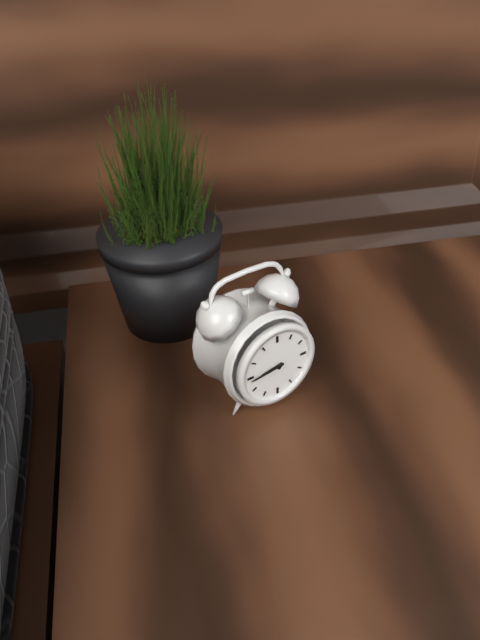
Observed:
8.44
